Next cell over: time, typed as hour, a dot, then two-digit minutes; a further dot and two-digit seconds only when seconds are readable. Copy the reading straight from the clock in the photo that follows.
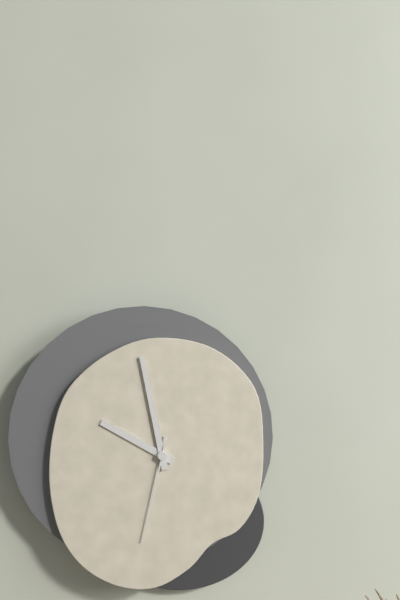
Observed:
9.58.32
